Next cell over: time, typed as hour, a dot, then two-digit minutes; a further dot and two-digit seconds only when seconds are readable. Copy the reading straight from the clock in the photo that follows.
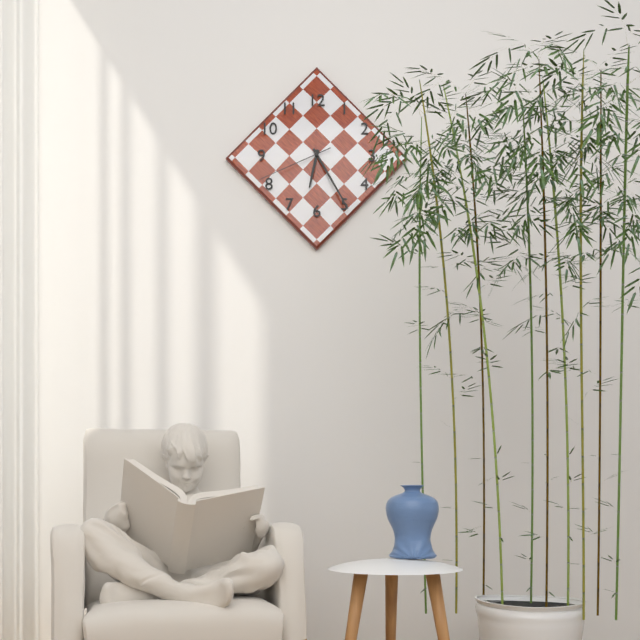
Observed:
6.25.41
